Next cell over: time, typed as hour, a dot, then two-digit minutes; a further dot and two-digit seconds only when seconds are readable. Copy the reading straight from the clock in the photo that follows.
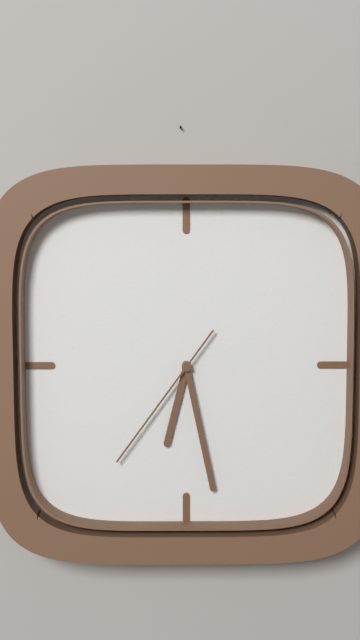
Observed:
6.28.36
